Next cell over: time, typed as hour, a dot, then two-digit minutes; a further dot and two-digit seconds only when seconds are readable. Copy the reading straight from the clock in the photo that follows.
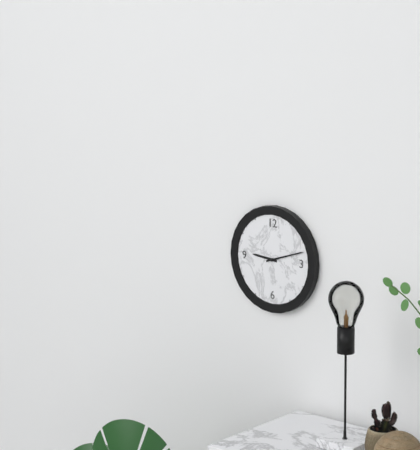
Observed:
9.12
